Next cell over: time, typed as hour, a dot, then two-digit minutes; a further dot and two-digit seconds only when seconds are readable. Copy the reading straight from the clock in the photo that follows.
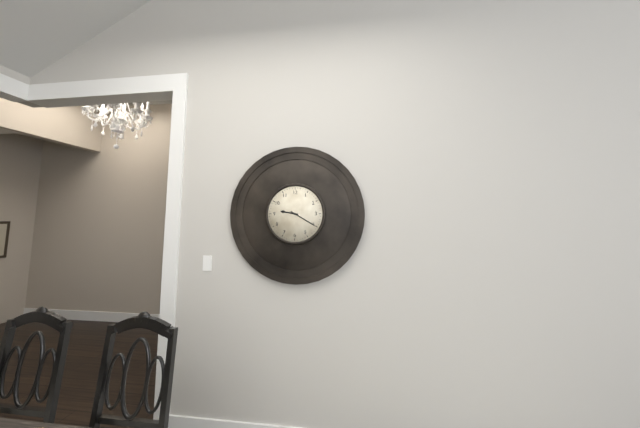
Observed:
9.20
